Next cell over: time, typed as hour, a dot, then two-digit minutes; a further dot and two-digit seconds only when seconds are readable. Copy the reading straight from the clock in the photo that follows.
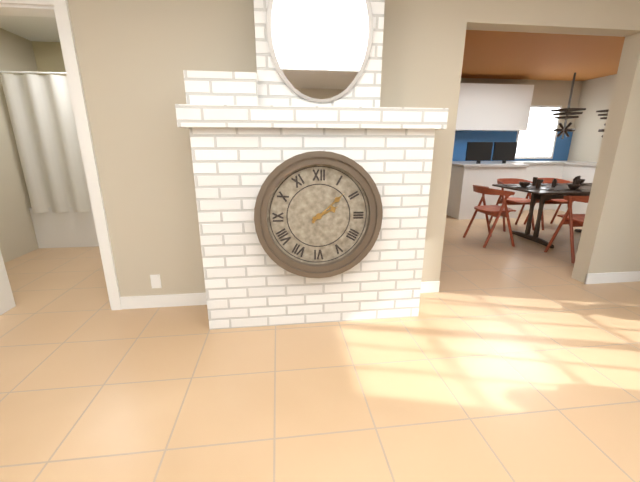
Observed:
2.08
